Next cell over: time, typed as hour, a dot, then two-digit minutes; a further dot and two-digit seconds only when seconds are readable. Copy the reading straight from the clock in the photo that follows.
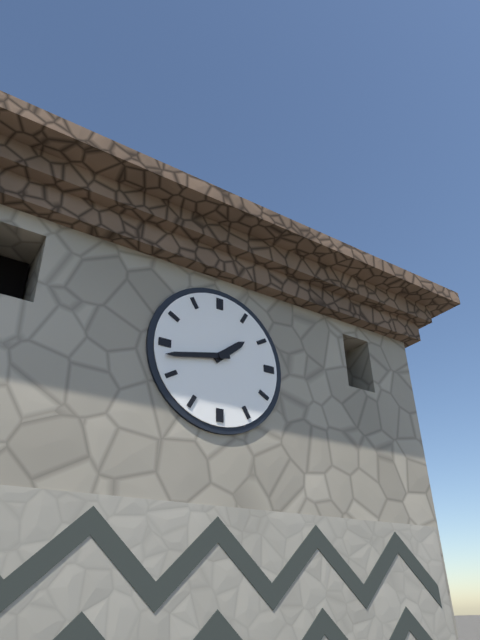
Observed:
1.43
